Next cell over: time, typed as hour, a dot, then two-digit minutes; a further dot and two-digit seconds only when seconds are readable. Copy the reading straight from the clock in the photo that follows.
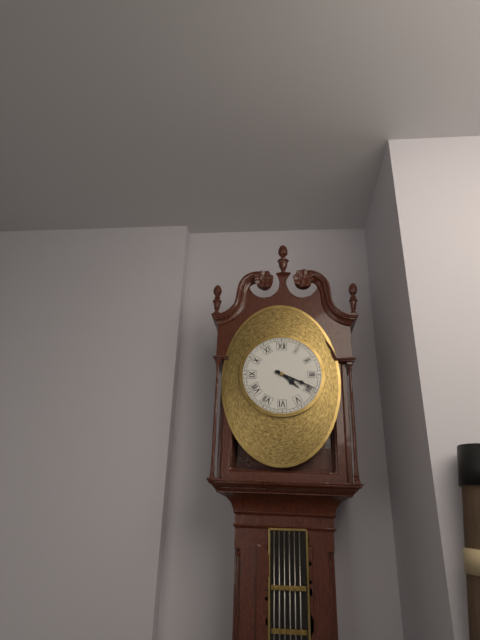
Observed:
4.19
